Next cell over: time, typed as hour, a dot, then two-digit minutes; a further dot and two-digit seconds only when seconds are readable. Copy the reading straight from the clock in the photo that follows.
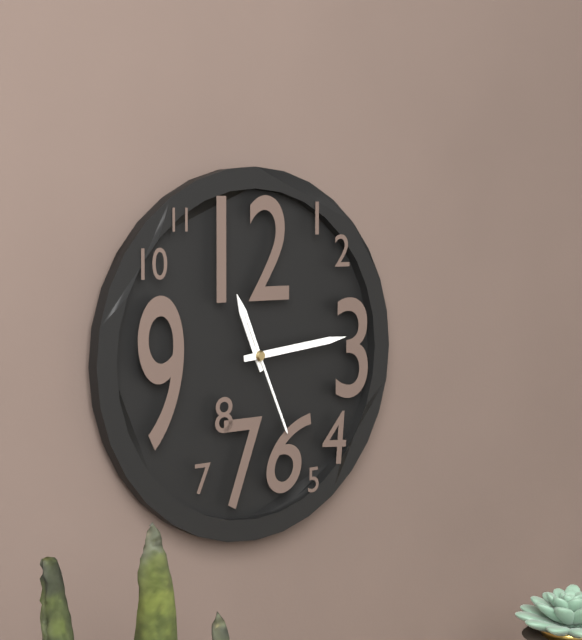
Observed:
11.14.26
